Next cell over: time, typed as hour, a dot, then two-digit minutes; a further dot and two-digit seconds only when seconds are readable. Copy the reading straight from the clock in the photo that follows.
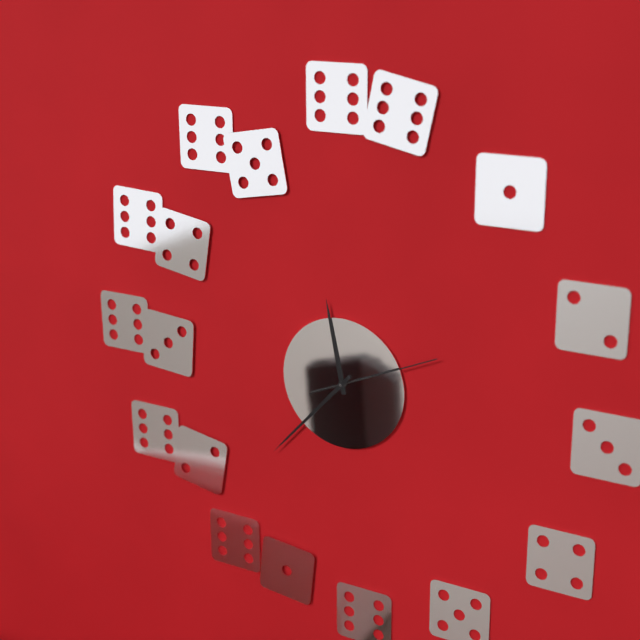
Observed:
11.37.11
